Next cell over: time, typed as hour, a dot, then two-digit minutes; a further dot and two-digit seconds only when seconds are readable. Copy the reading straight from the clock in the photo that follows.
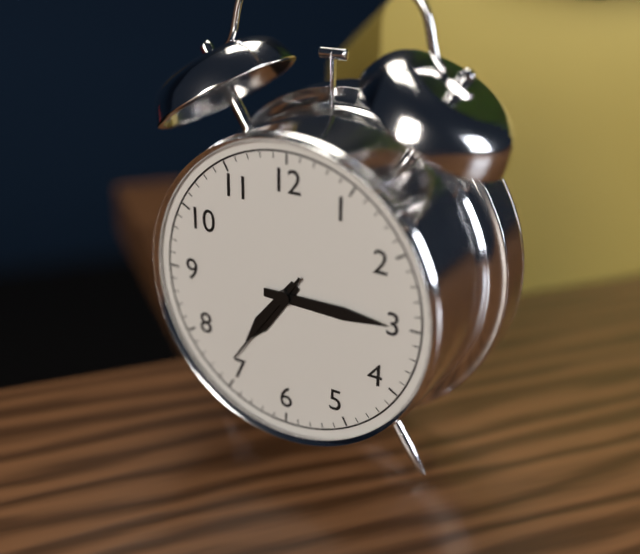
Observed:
7.15.36
